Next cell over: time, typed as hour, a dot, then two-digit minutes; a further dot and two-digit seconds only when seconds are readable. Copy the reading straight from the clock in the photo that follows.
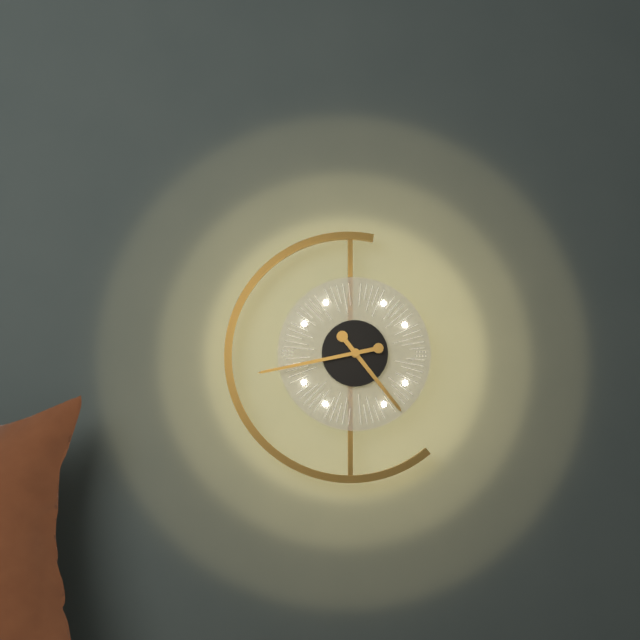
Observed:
4.43
